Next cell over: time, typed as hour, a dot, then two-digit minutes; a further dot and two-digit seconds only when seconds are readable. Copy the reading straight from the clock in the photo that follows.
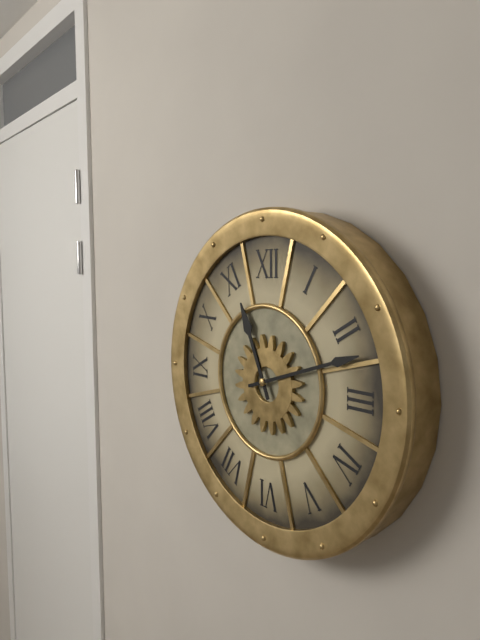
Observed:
11.12
